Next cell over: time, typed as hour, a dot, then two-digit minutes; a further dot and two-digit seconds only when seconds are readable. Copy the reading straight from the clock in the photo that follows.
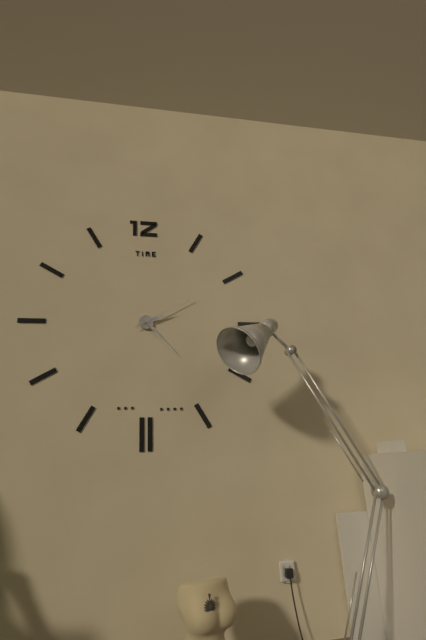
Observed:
2.23.10
